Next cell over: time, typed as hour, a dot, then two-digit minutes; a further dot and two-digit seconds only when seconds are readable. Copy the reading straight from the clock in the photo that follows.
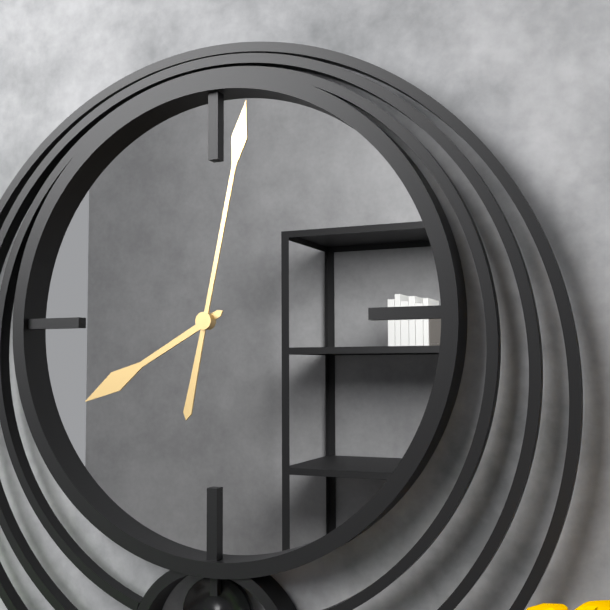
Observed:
8.02
